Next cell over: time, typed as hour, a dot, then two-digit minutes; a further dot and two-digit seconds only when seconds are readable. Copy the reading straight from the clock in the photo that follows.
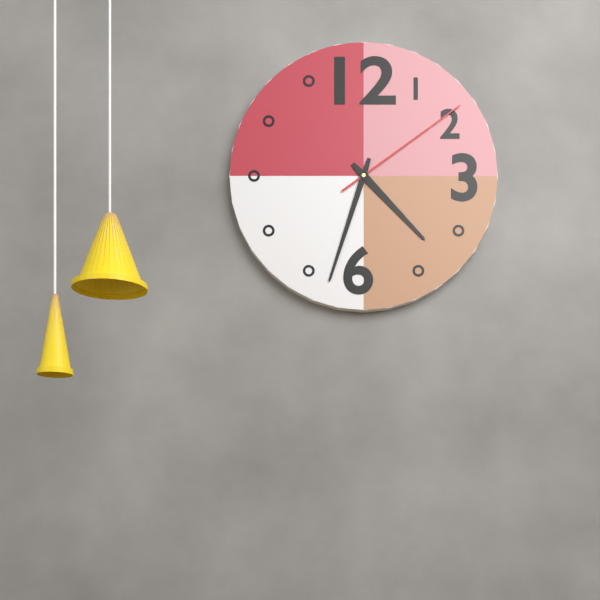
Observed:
4.33.09
